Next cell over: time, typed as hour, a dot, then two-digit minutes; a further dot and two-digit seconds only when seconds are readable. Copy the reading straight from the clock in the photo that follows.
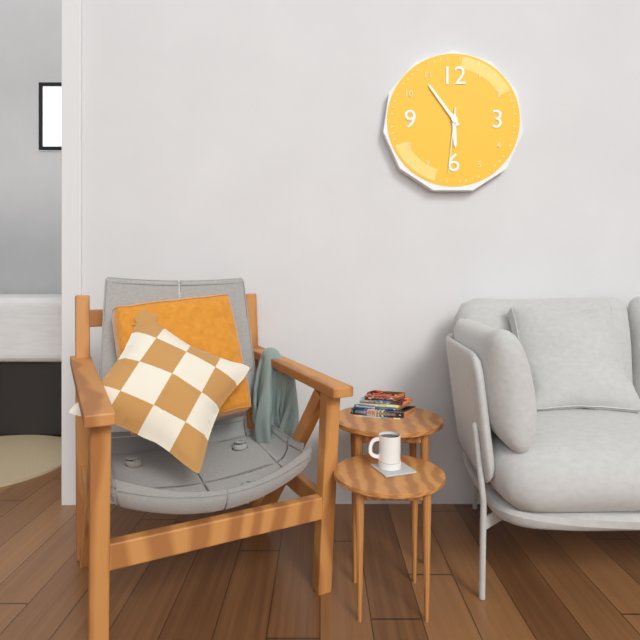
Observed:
5.54.31
